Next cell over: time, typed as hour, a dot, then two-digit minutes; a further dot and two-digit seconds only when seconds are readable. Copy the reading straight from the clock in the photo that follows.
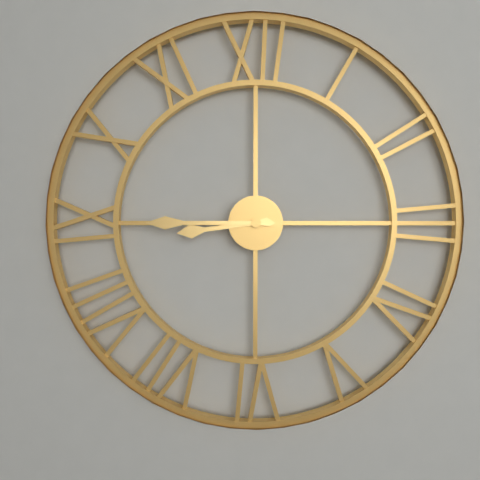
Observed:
8.45
